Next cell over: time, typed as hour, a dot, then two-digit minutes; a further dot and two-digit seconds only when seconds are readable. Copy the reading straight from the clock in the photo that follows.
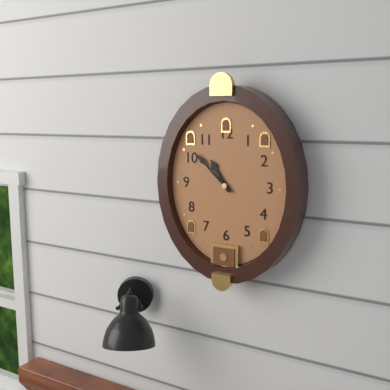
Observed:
10.52
